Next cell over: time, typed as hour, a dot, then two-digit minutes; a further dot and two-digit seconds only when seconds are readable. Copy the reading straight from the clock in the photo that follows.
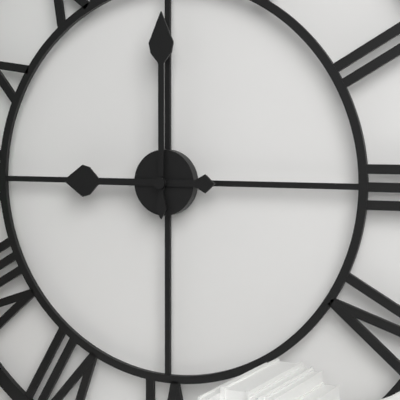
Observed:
9.00
